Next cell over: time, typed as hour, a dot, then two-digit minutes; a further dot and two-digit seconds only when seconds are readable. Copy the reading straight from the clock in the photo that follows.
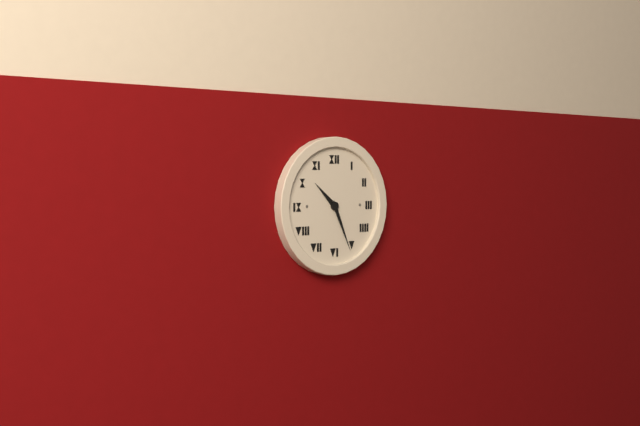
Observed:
10.26
